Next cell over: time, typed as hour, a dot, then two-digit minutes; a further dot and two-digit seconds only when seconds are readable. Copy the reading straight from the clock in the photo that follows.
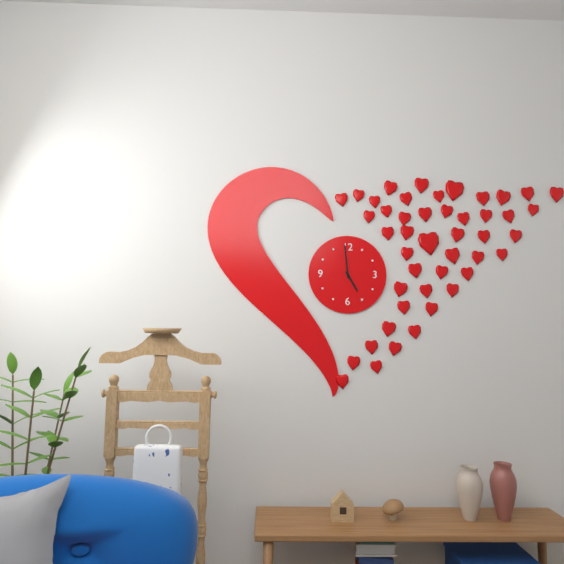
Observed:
4.59
